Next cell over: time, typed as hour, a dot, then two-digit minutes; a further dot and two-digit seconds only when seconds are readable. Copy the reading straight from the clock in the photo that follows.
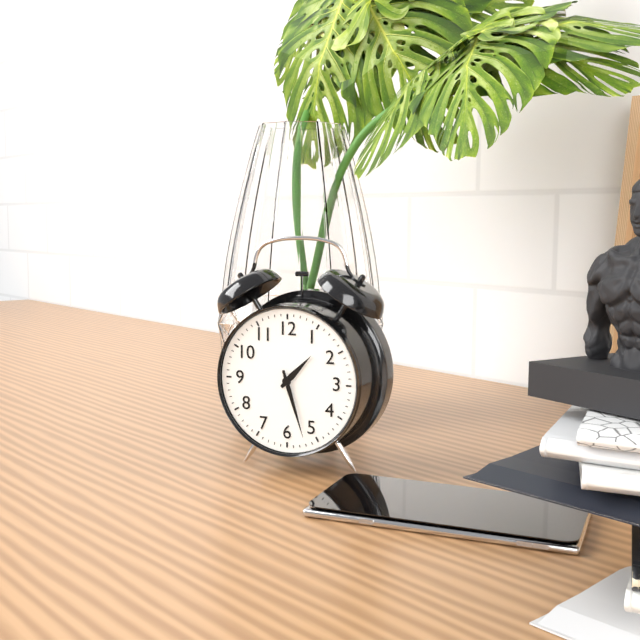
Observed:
1.27
